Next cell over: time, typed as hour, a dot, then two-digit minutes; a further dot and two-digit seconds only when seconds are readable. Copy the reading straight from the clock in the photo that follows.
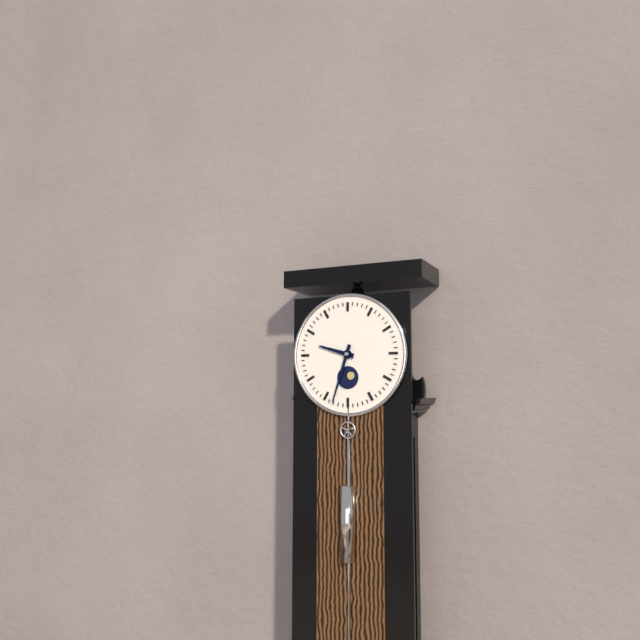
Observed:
9.33
